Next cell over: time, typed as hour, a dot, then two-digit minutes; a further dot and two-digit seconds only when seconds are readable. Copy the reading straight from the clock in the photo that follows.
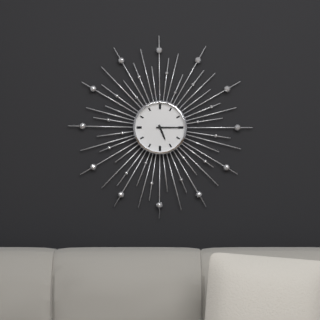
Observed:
5.15
